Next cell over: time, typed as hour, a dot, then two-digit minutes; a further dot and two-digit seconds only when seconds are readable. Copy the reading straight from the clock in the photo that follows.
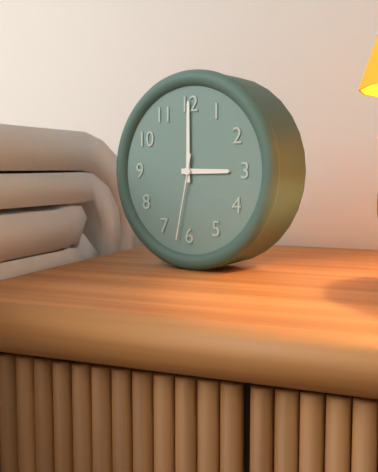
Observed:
3.00.32
